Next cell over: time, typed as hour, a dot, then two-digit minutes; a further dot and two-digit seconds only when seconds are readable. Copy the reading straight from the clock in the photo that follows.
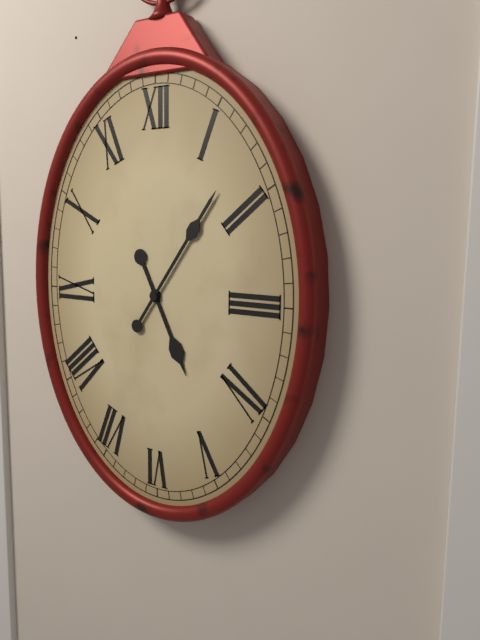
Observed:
5.06
